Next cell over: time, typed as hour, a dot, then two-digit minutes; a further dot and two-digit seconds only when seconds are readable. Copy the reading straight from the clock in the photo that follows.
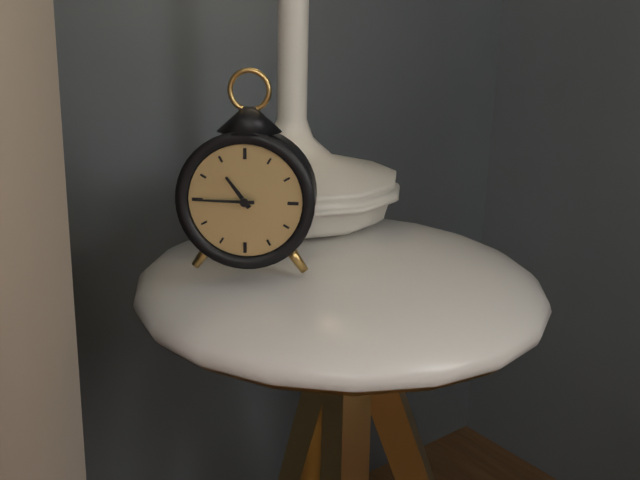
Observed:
10.45
